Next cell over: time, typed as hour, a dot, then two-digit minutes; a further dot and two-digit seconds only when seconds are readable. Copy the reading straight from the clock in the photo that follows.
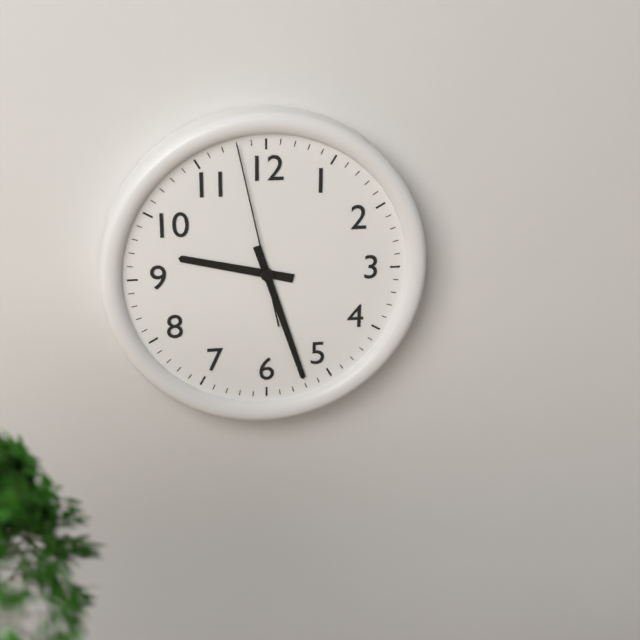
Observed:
9.27.58
